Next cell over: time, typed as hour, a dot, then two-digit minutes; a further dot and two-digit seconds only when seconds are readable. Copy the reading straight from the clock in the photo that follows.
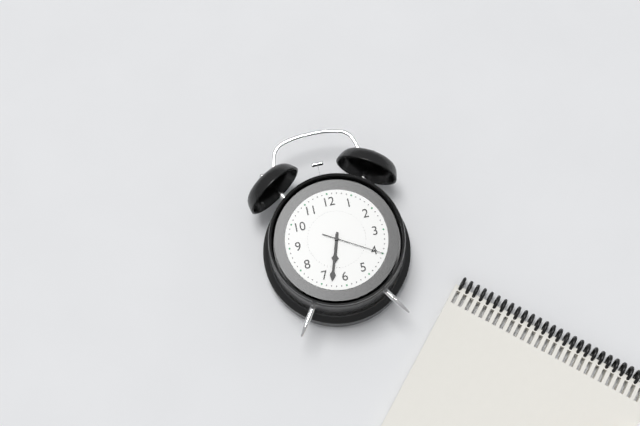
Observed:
6.33.20
